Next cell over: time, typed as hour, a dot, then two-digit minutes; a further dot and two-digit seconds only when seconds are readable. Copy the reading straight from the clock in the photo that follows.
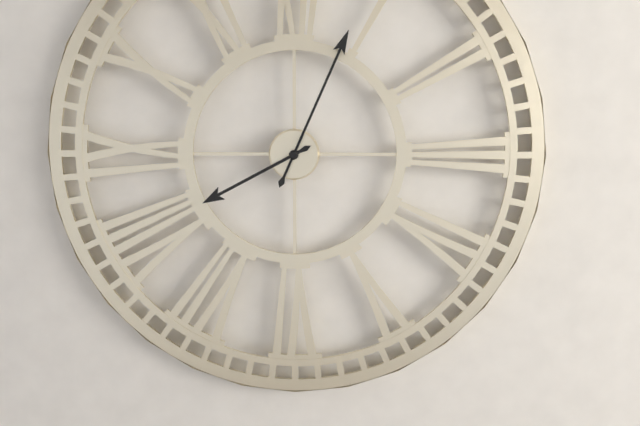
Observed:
8.04
